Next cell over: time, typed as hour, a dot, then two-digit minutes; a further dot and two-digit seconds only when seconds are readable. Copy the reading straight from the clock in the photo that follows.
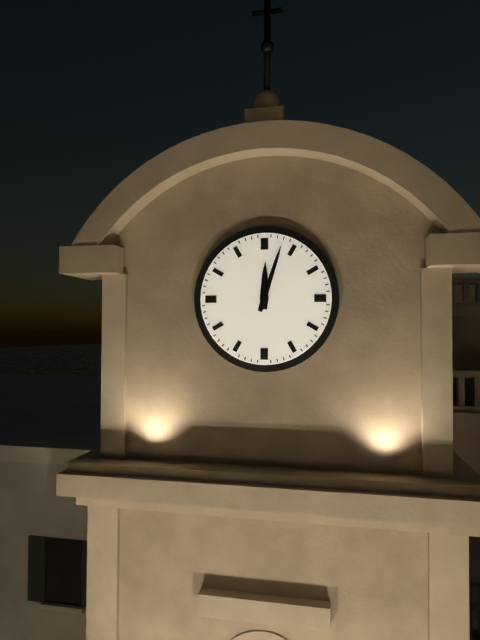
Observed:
12.03
